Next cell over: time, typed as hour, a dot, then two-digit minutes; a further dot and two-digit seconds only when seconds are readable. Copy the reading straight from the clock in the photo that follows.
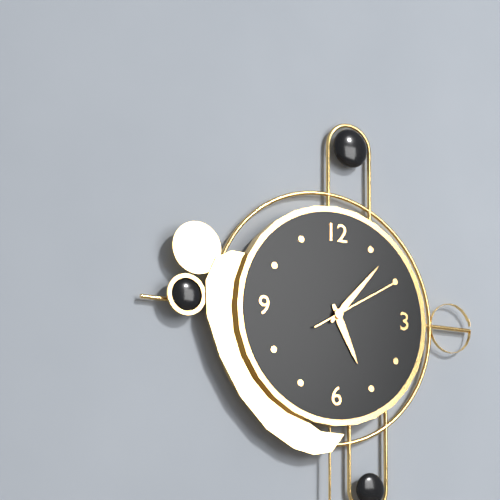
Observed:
5.07.10
